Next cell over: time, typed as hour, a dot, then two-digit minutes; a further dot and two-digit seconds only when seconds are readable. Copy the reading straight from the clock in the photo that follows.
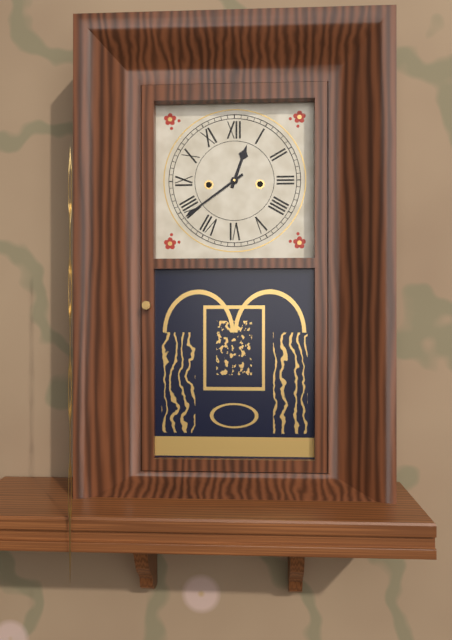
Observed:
12.39
